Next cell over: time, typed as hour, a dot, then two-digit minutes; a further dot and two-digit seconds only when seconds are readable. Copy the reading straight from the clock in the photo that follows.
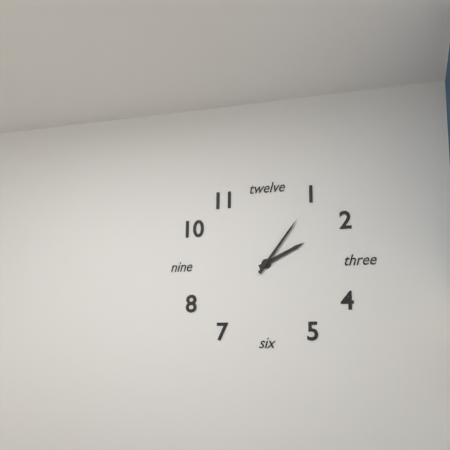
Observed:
2.06
